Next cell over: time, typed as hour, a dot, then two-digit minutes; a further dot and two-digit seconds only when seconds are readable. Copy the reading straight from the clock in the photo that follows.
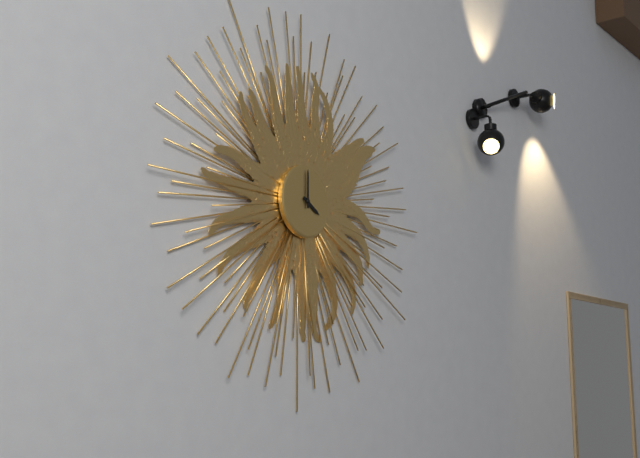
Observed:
4.00
